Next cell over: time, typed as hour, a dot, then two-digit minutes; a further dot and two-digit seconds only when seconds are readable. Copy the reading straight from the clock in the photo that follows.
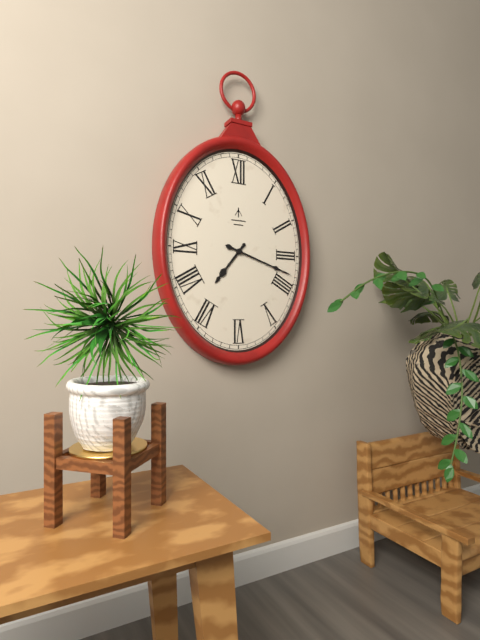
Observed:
7.18
